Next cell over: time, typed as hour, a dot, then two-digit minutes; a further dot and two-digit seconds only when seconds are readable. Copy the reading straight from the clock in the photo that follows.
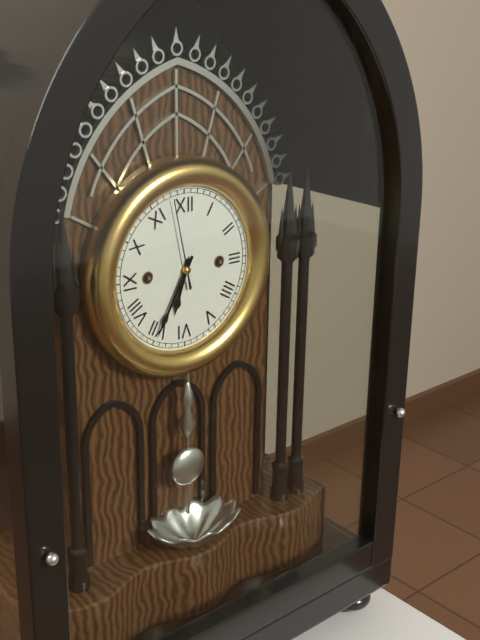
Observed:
6.35.58
